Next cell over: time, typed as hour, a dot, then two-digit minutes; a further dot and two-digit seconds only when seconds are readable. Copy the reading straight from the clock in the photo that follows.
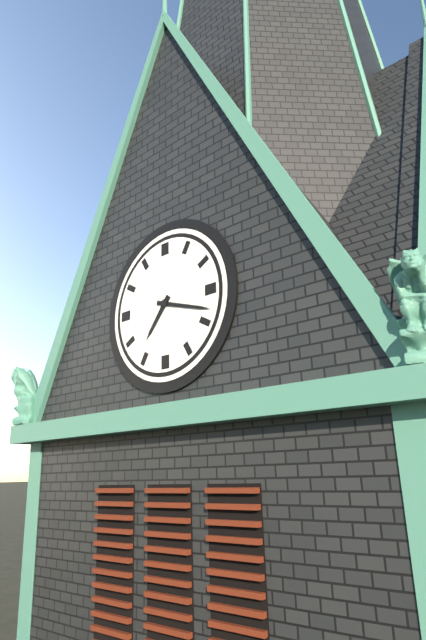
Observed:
7.18
